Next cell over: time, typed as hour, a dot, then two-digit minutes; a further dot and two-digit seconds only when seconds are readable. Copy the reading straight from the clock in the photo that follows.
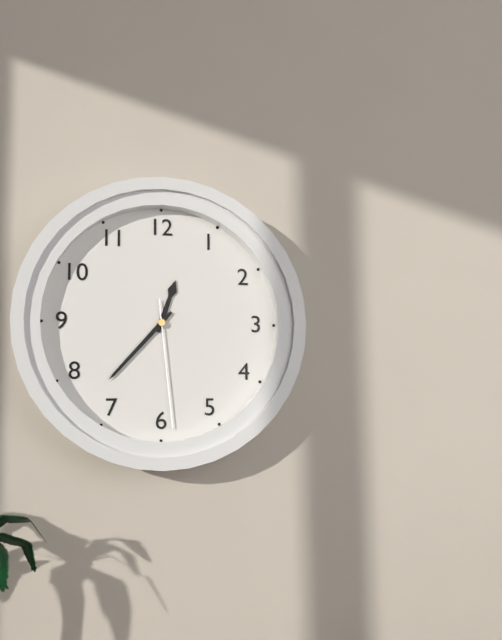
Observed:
12.37.29
